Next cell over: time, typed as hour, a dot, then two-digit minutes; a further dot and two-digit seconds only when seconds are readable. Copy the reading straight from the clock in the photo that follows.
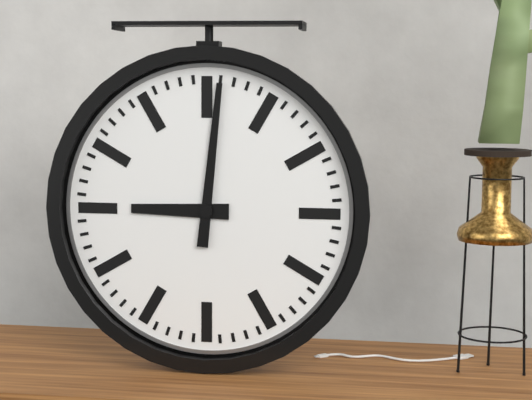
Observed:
9.01
